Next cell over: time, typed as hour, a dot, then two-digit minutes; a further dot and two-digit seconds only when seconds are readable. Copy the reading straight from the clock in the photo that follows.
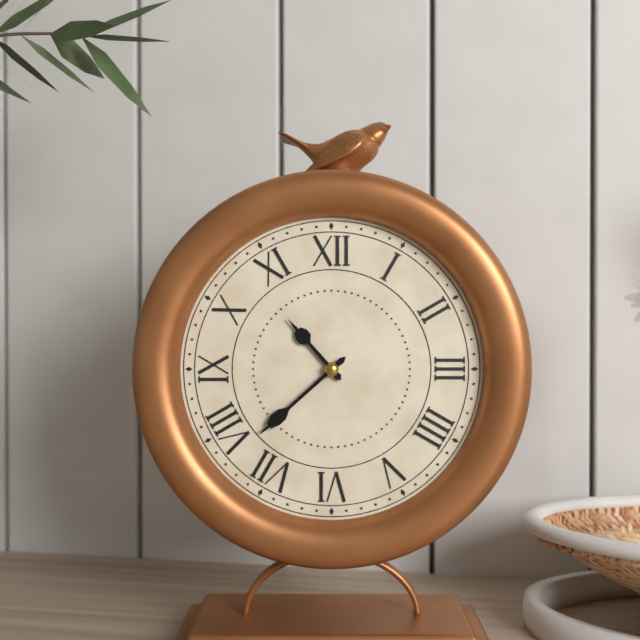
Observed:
10.38
